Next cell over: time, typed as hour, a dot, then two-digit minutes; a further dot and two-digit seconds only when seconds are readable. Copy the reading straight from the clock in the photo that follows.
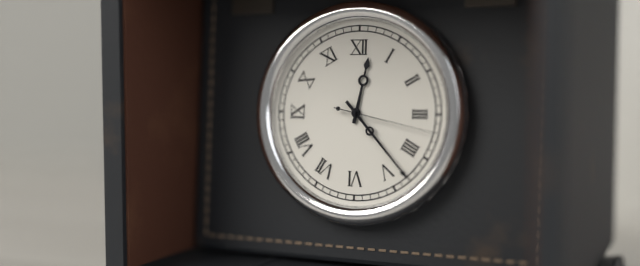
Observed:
12.23.17
